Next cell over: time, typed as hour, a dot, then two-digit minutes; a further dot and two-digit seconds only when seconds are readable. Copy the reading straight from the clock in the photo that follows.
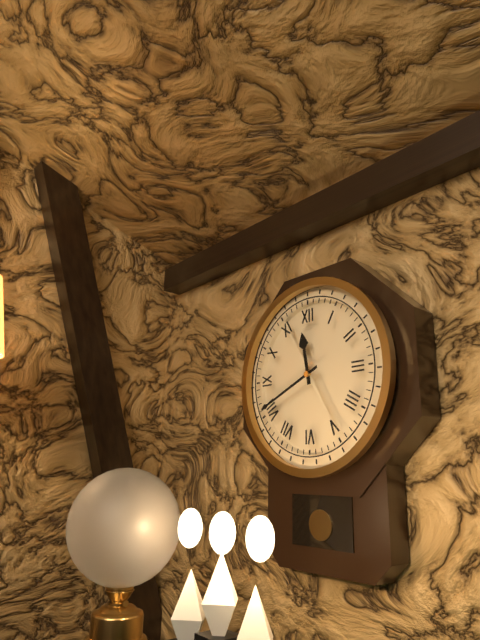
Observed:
11.41
